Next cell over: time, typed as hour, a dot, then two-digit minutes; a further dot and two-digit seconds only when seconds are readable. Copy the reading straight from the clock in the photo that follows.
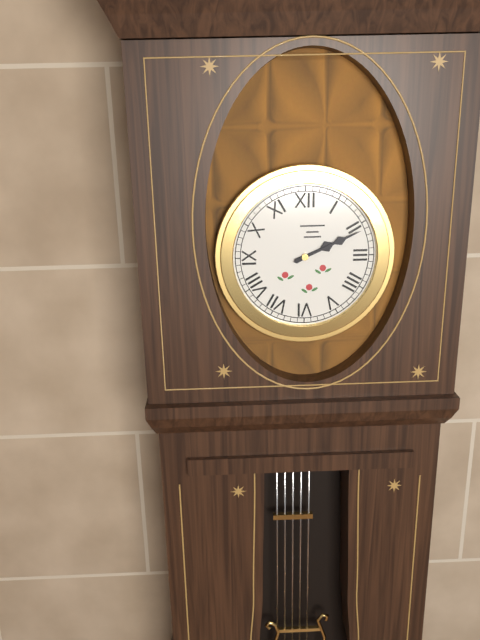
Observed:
2.11
